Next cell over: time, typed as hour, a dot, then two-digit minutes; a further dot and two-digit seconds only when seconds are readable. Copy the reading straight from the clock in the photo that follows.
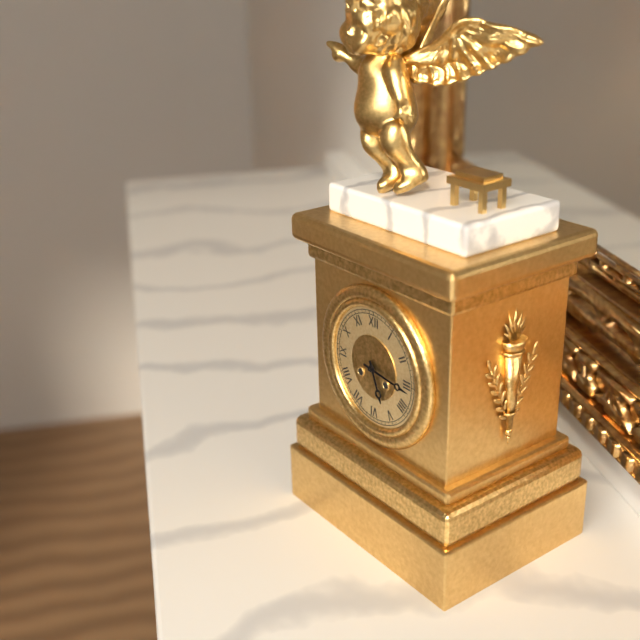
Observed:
5.16
